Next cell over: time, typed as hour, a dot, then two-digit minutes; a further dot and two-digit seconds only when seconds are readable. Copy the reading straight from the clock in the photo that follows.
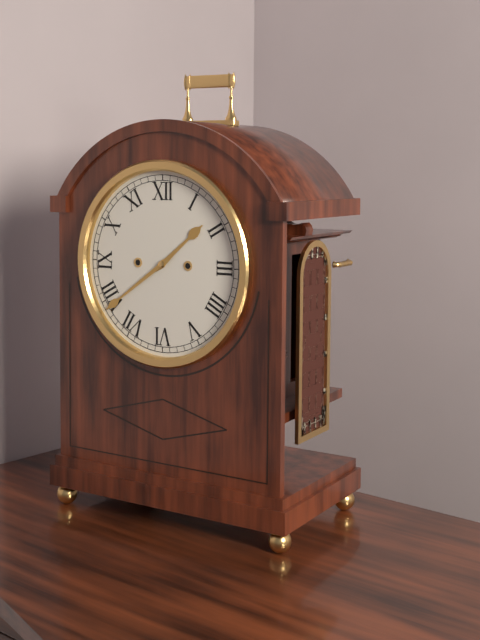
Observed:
1.39
